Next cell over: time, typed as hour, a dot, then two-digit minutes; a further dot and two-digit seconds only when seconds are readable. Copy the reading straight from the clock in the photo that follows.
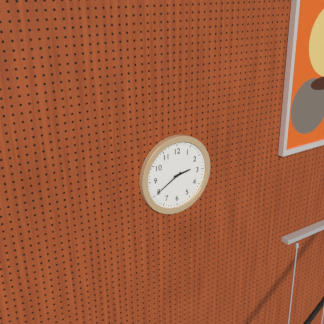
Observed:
2.40
